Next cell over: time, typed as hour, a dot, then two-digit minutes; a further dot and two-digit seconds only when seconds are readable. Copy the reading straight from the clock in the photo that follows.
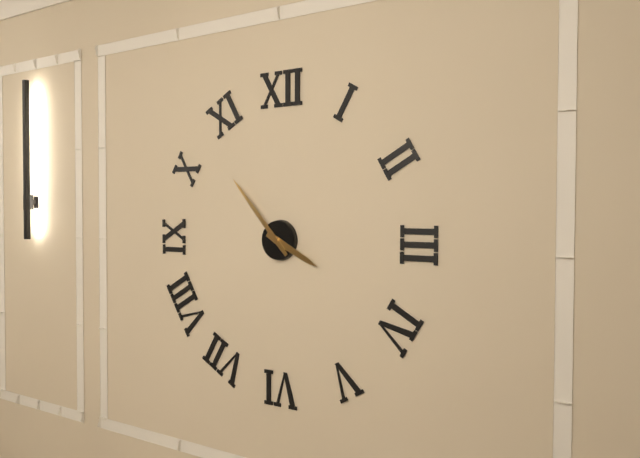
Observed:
3.53
